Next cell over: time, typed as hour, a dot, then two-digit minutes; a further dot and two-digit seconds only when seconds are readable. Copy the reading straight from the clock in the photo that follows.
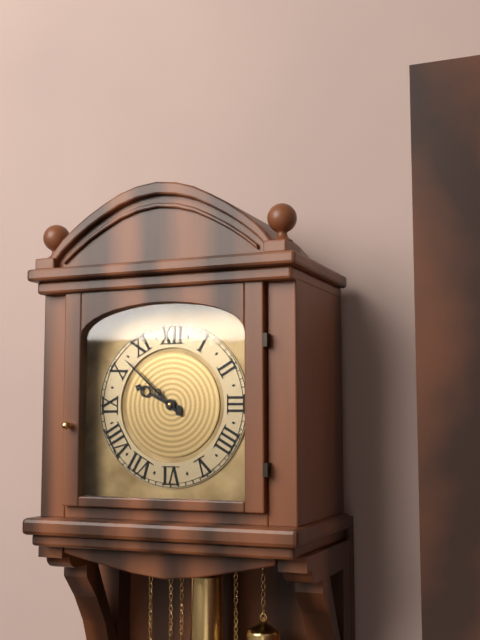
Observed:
9.52
